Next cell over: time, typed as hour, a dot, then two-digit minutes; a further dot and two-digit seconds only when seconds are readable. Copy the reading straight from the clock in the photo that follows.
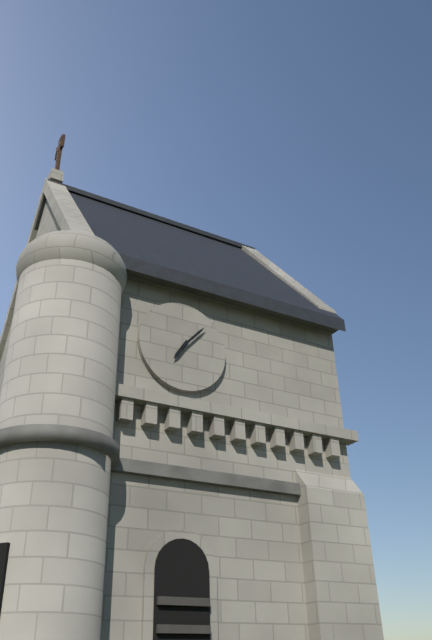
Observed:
7.07
